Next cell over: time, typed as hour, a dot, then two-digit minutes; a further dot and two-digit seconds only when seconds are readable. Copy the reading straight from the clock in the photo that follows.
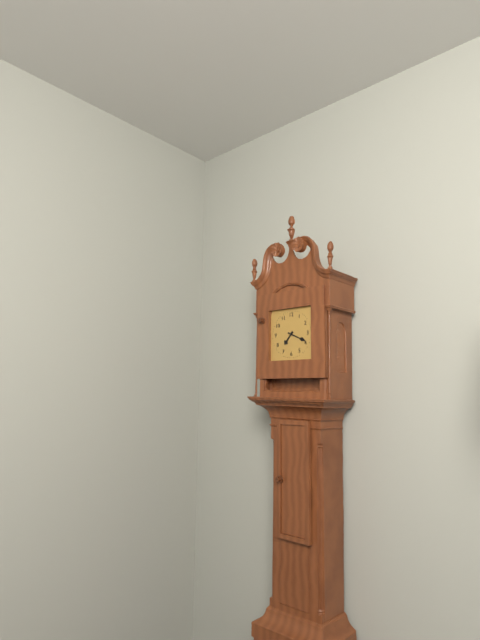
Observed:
7.19
